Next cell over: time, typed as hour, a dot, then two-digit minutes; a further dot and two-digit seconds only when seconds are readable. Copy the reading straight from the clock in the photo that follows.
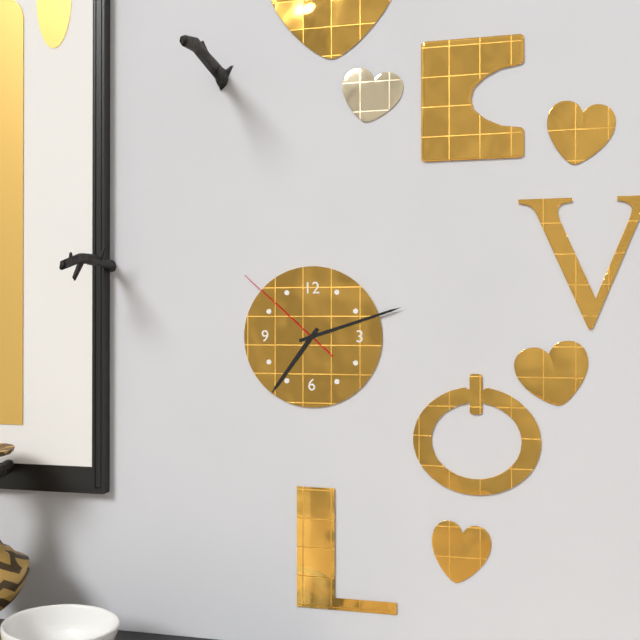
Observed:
7.12.52
